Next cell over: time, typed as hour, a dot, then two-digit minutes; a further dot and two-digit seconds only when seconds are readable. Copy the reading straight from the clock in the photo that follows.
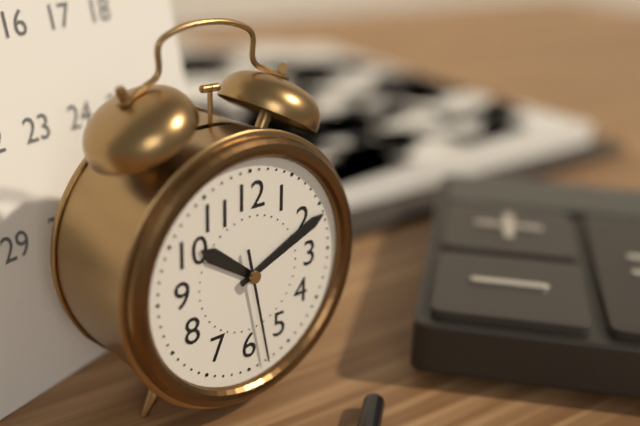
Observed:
10.11.28
